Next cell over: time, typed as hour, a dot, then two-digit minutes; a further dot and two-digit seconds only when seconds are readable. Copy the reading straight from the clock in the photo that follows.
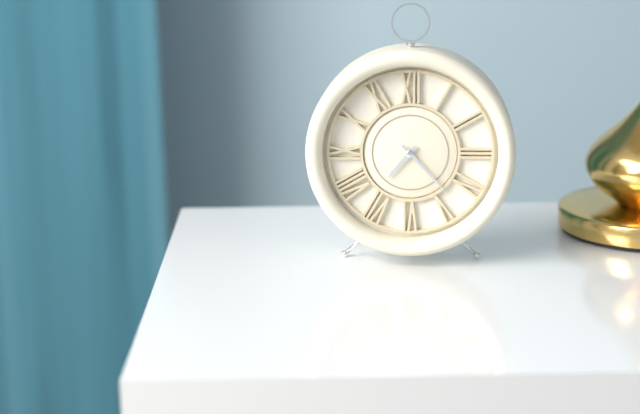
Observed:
7.23
